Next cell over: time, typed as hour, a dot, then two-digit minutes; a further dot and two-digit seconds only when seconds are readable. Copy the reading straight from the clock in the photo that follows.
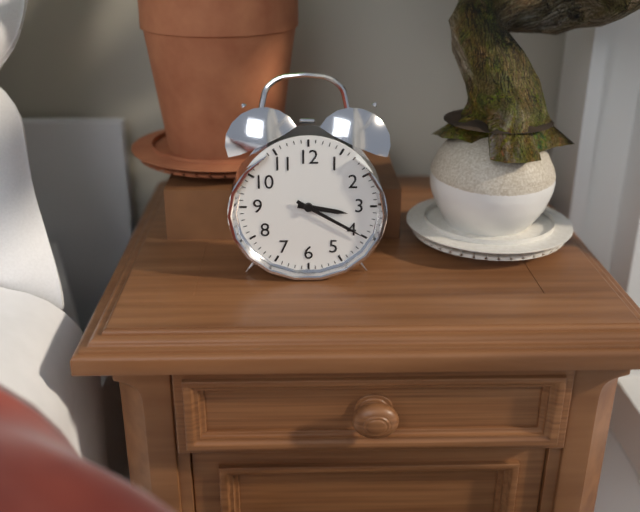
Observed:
3.20
